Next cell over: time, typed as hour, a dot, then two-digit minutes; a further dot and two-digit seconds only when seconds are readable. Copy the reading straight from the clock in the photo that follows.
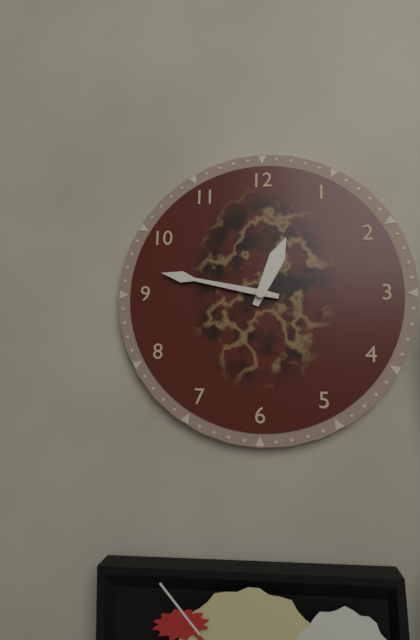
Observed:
12.47
